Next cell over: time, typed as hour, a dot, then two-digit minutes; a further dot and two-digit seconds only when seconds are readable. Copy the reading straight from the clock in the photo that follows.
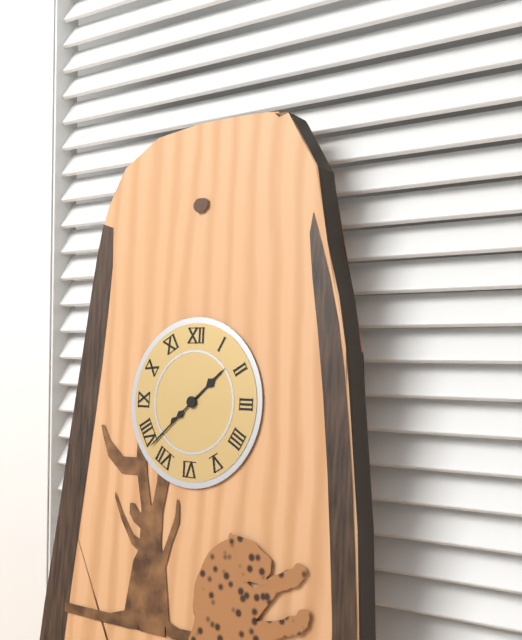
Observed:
1.38
